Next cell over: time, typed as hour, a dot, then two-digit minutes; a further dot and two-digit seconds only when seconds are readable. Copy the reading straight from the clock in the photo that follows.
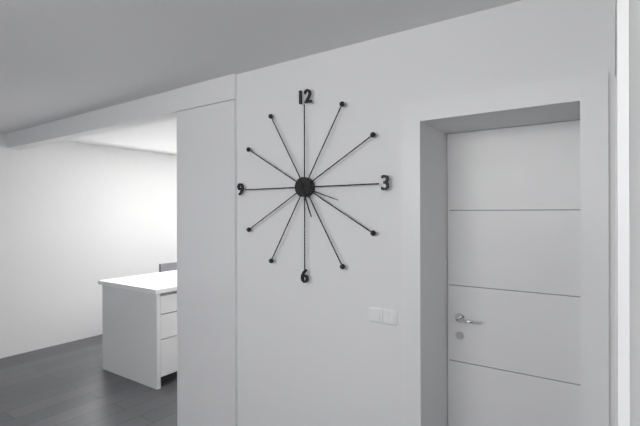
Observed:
5.18
